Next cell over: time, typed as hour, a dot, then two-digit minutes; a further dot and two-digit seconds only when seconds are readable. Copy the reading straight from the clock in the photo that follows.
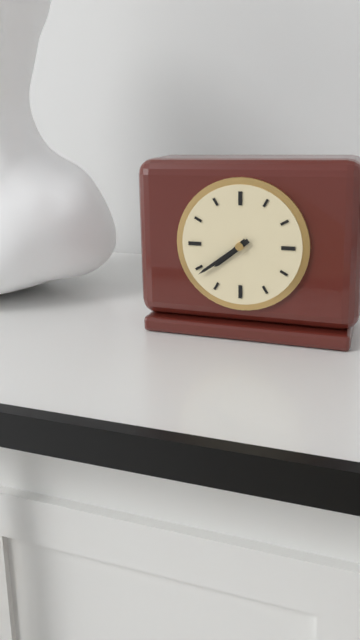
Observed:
7.39
